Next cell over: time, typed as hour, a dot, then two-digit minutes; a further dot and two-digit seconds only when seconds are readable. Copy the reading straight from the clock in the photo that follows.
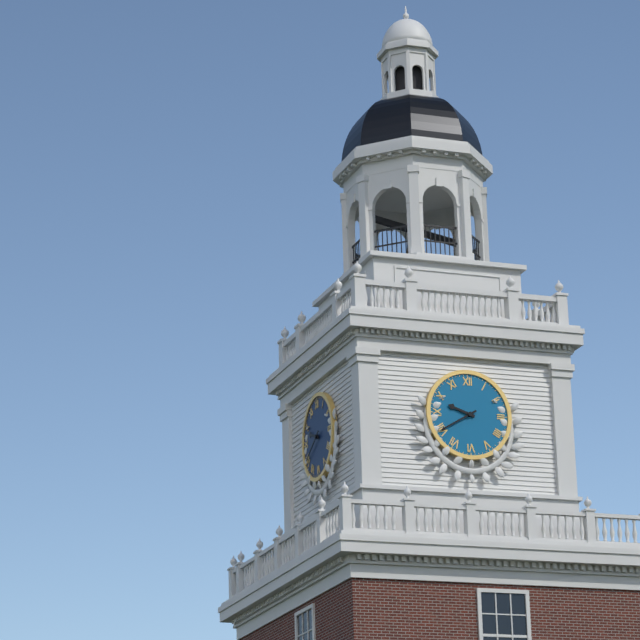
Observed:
9.40
